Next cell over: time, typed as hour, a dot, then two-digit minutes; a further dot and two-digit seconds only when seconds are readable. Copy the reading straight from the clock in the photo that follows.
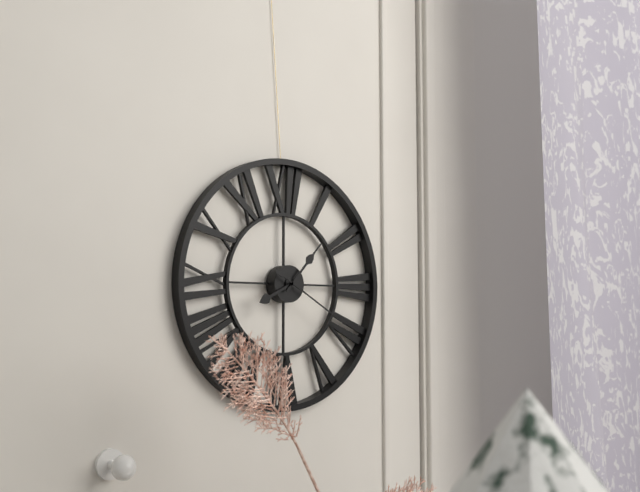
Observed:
8.07.20
